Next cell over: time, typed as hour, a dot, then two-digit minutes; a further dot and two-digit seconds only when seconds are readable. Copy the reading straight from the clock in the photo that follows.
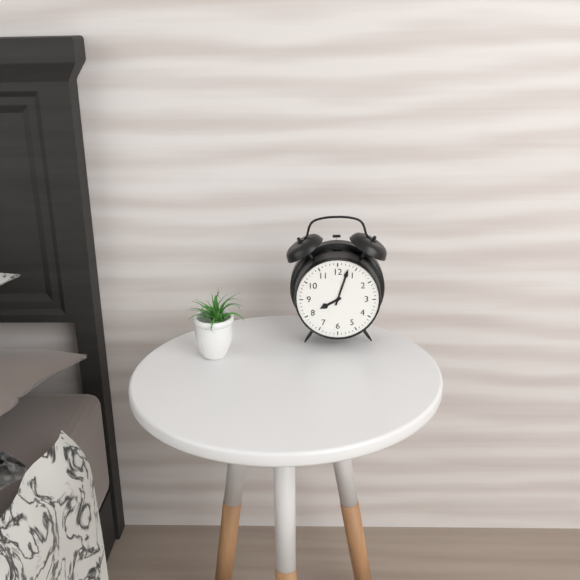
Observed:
8.03
